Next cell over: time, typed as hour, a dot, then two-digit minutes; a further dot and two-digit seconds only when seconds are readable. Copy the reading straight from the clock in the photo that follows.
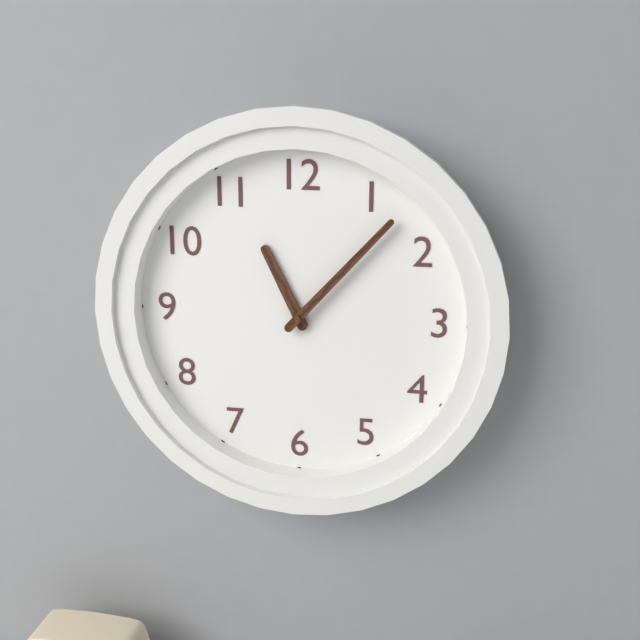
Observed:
11.07
